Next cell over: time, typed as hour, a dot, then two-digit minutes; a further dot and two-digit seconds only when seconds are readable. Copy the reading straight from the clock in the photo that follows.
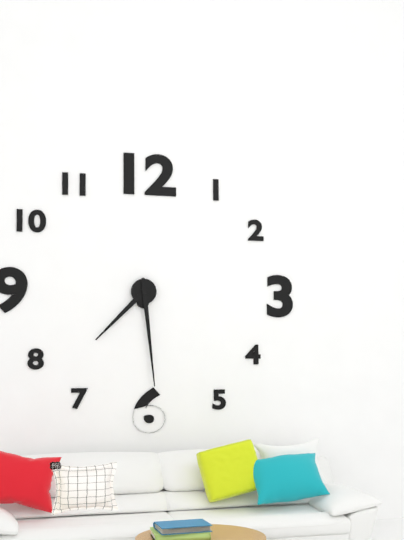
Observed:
7.29
